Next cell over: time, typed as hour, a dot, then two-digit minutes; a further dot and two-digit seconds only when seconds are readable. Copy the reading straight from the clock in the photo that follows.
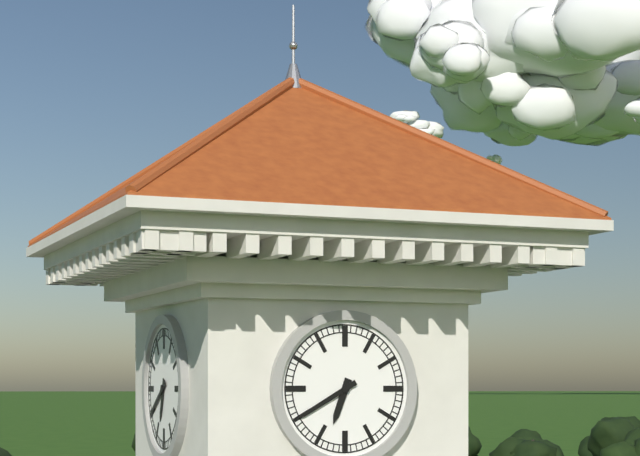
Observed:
6.40
